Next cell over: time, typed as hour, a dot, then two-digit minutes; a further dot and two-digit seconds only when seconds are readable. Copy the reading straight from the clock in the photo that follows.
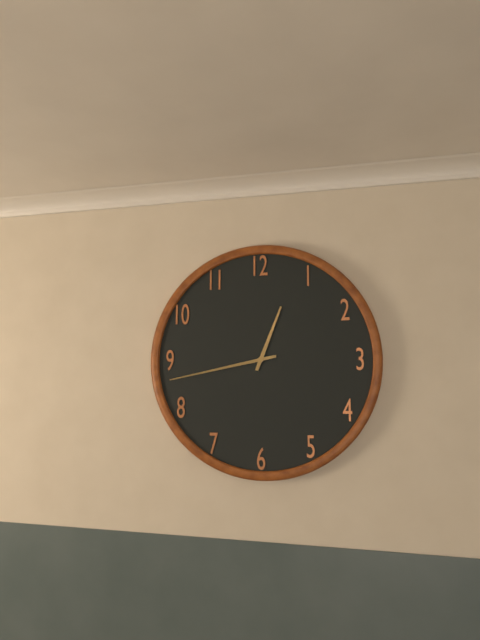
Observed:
12.43
